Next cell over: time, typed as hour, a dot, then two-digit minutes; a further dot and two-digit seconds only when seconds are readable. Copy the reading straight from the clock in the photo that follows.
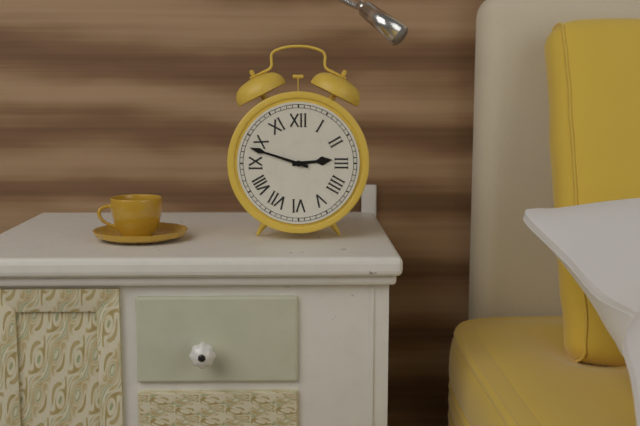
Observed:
2.48
